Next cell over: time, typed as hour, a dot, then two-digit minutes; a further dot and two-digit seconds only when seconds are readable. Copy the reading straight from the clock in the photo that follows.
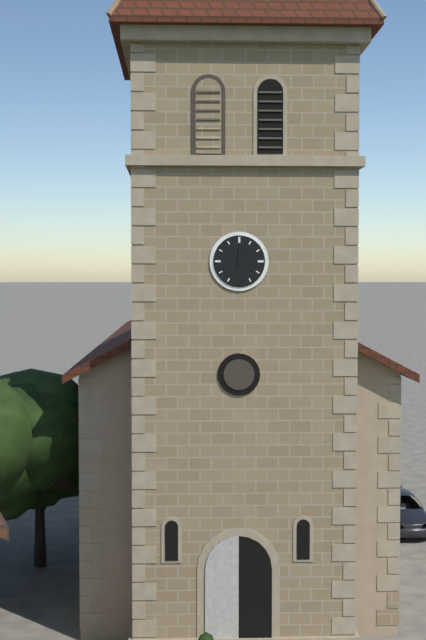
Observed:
12.04
